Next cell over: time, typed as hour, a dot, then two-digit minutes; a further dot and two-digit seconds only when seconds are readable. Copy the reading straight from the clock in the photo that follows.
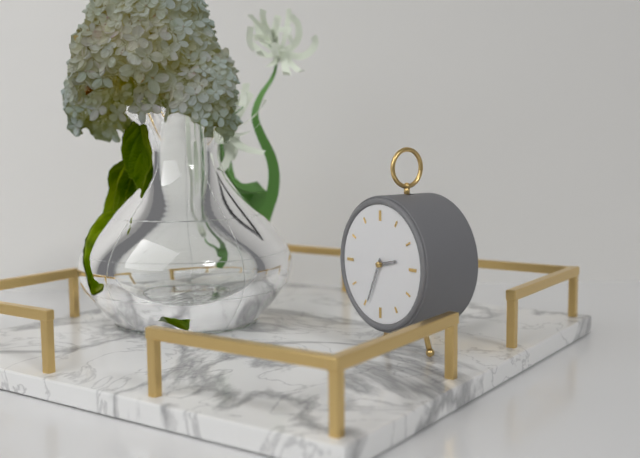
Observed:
2.34
